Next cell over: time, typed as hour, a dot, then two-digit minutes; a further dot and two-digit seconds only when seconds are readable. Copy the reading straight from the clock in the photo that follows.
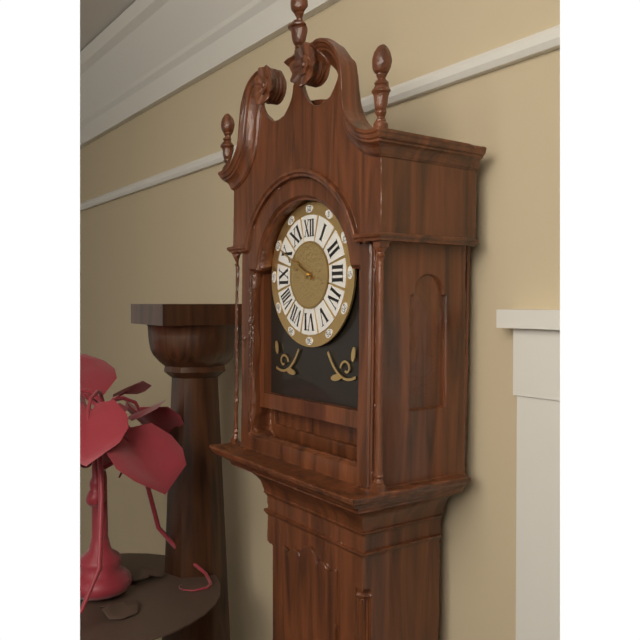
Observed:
9.50
